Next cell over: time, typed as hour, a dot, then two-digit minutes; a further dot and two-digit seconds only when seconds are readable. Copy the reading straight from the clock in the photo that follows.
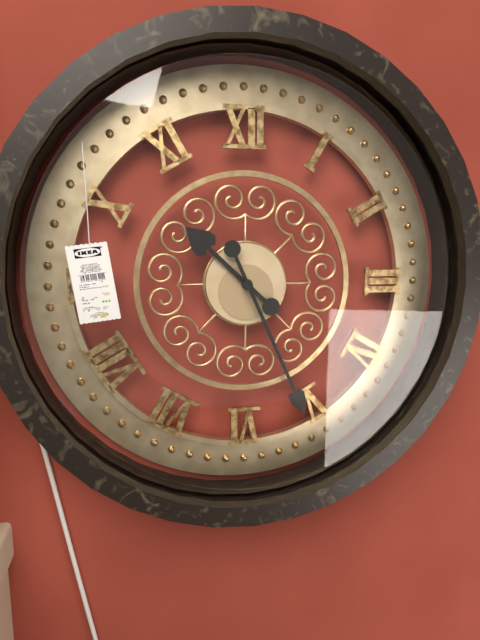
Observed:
10.26
